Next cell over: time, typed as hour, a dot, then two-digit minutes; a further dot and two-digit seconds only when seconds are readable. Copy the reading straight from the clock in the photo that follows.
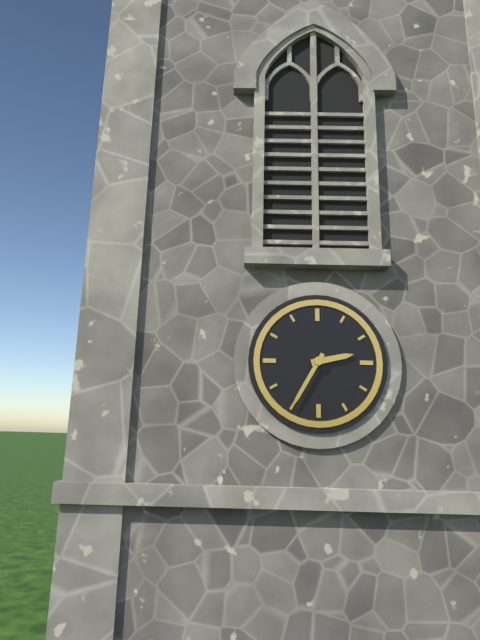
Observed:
2.35
